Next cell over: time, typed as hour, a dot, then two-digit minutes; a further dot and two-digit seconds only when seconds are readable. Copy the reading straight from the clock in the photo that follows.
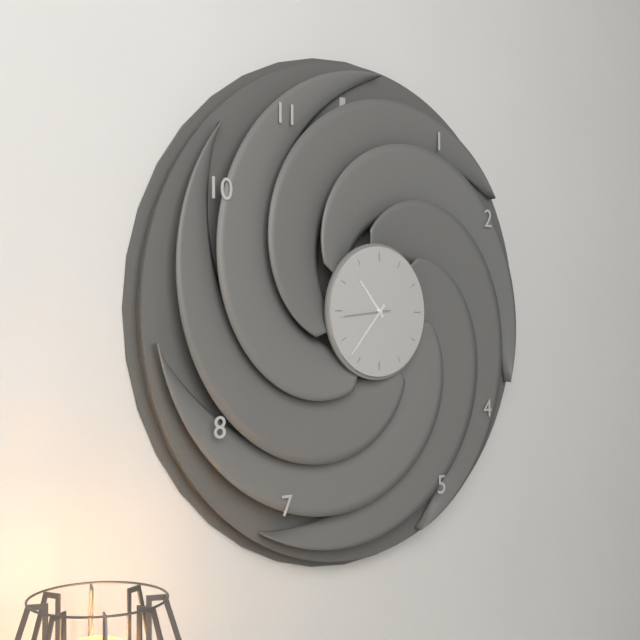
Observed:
10.37
